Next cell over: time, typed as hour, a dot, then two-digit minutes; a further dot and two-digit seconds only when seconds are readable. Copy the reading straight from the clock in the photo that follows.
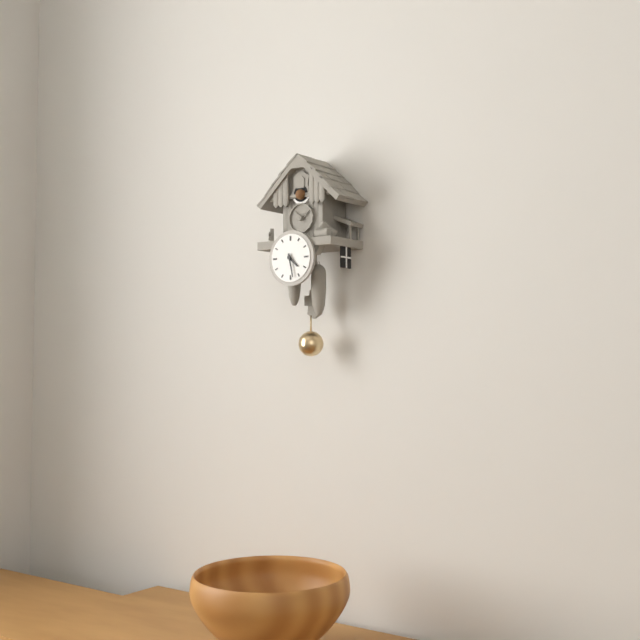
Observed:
4.28
